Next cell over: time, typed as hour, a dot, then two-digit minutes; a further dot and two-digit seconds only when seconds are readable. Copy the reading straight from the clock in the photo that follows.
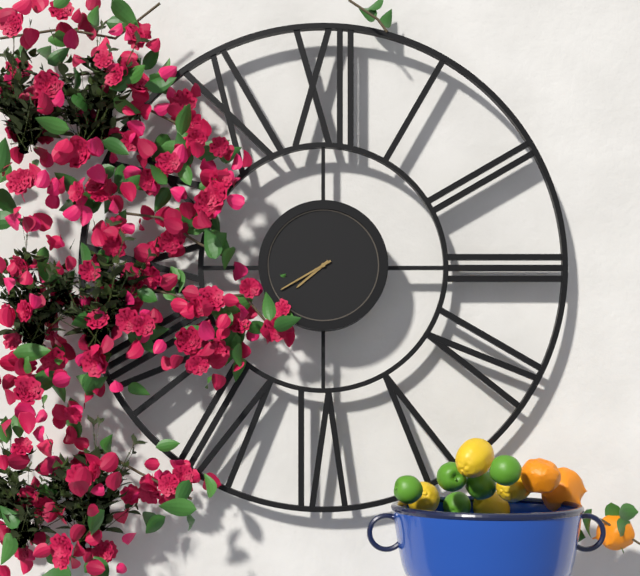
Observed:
7.40
